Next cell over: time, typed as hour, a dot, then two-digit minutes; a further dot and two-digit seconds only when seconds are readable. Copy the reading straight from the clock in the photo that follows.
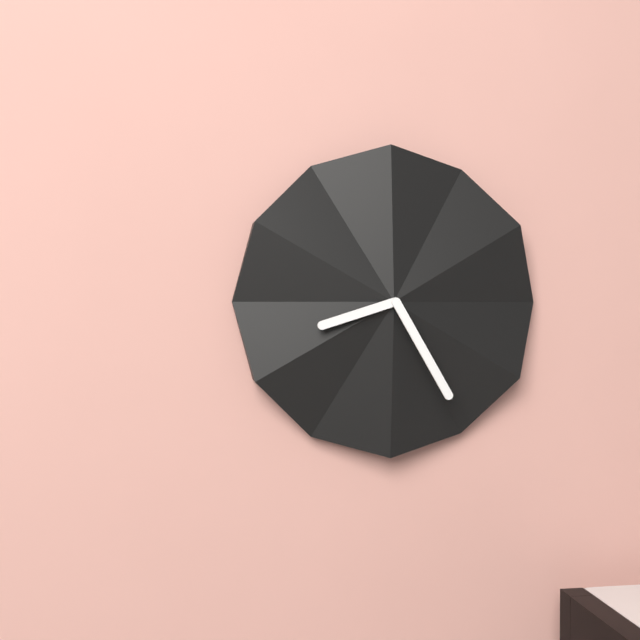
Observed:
8.25
